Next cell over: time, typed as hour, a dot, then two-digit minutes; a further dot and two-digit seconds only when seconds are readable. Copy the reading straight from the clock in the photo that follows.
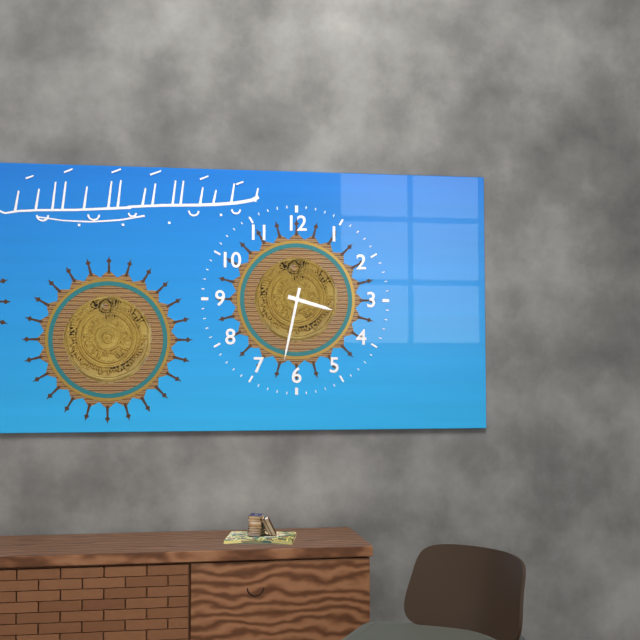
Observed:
3.32
